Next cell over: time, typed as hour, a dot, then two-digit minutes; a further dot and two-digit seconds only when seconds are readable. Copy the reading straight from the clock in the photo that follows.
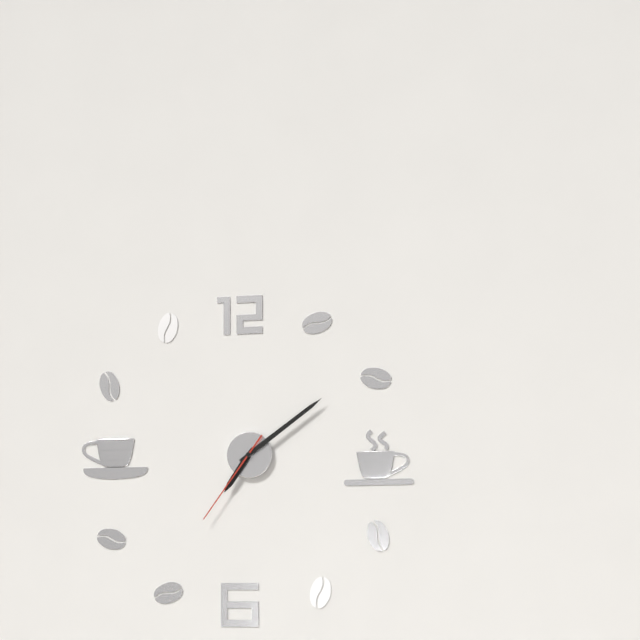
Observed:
7.09.36
